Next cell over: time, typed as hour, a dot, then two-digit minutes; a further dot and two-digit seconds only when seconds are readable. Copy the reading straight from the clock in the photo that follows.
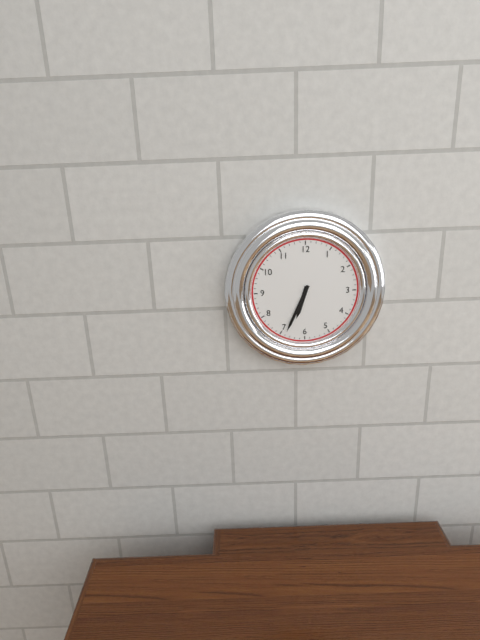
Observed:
6.34
